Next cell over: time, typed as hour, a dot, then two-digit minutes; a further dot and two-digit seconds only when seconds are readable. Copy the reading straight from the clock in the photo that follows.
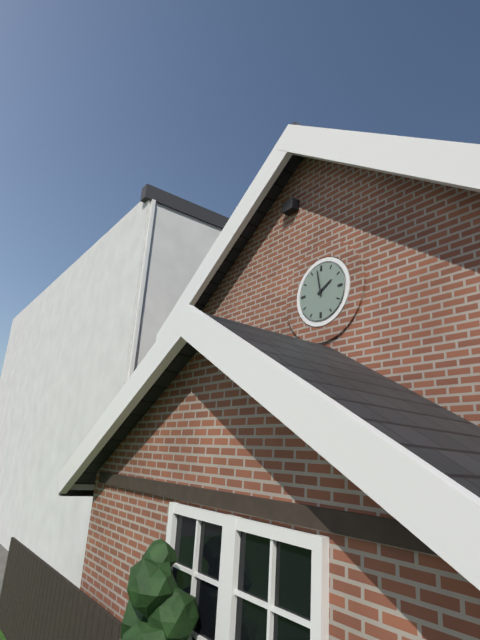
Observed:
1.58
